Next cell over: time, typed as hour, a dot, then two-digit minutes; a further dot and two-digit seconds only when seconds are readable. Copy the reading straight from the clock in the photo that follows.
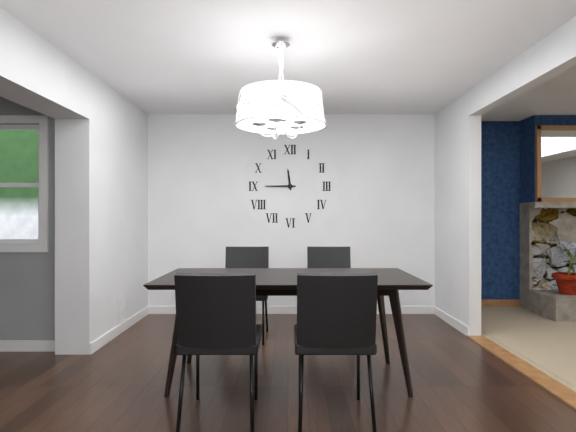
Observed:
11.45
